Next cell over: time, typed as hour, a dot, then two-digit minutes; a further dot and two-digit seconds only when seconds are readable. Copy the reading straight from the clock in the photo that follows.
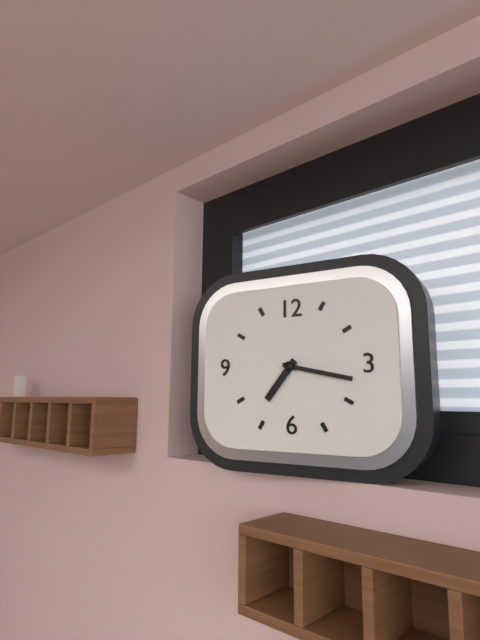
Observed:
7.17
